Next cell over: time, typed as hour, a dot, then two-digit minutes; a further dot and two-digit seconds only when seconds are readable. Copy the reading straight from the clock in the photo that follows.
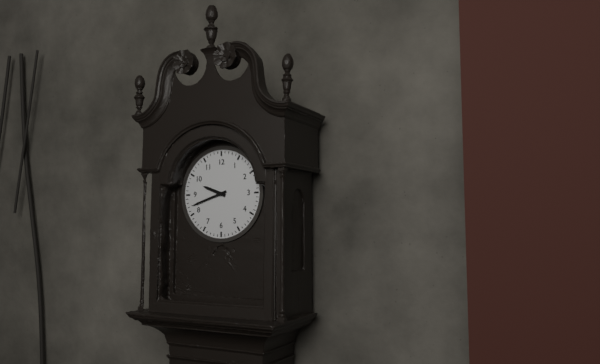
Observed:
9.42
